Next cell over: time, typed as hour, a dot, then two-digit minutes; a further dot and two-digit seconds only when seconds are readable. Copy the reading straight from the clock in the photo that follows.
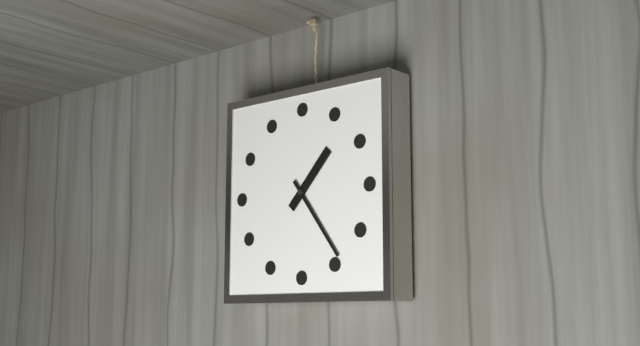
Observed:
1.24
